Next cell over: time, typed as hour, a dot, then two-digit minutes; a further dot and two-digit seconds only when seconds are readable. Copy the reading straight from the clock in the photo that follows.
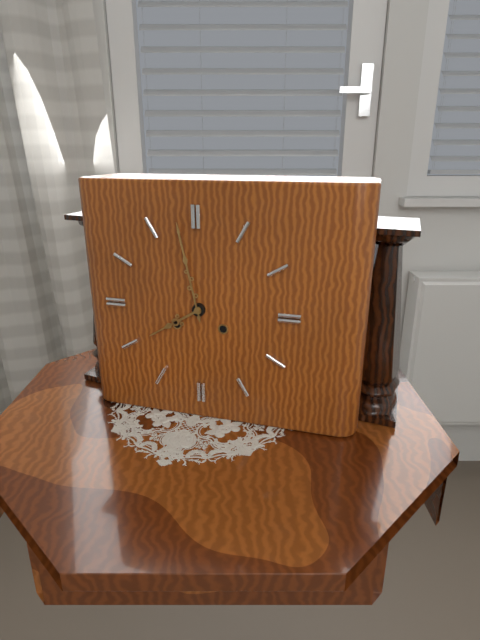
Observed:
7.58
